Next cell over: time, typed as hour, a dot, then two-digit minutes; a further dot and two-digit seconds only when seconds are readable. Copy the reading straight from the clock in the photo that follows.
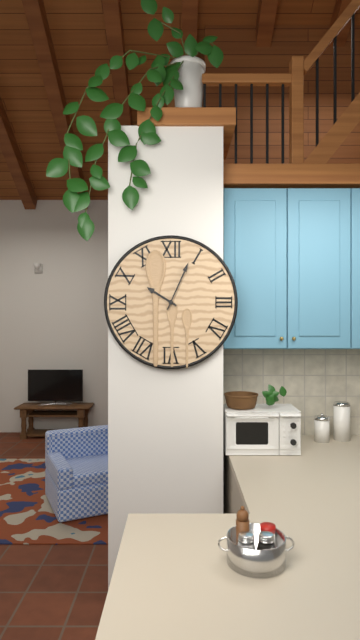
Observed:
10.04
